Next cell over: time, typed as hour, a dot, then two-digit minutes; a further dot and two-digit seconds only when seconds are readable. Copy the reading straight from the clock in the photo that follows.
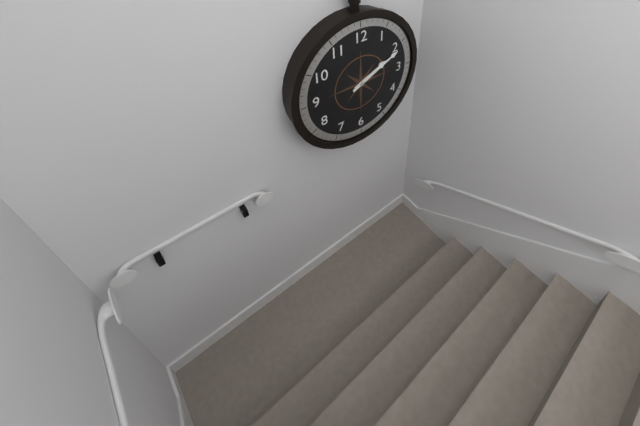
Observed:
2.11
